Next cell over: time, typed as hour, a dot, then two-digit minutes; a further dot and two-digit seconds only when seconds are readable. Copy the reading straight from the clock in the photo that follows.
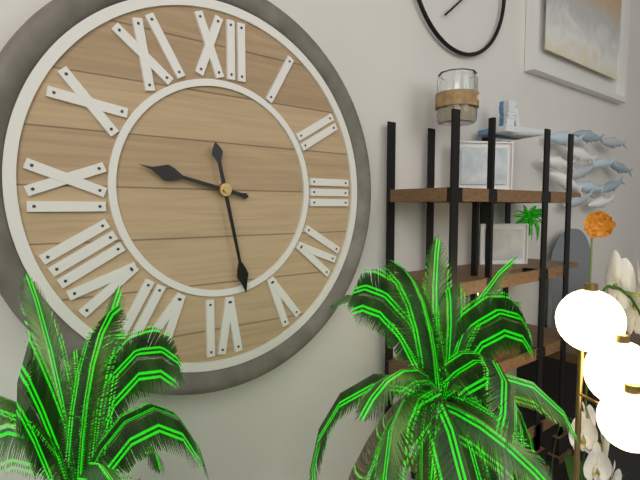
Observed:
9.28
